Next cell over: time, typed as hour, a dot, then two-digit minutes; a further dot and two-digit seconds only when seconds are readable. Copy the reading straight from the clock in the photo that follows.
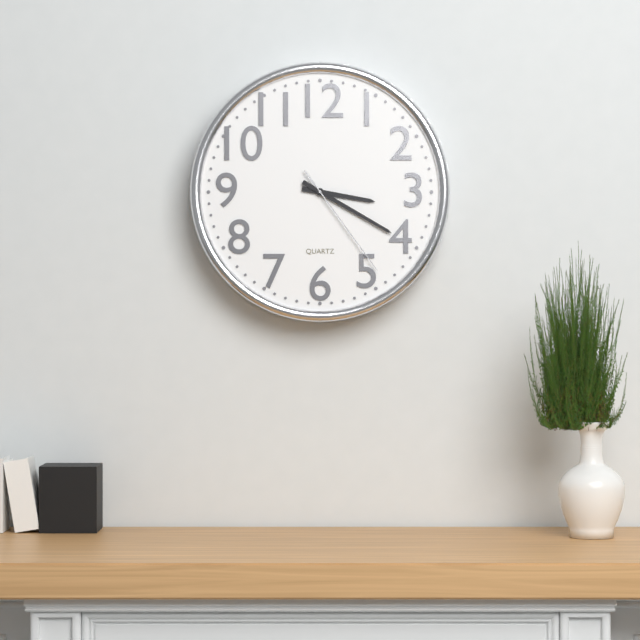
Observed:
3.20.24
